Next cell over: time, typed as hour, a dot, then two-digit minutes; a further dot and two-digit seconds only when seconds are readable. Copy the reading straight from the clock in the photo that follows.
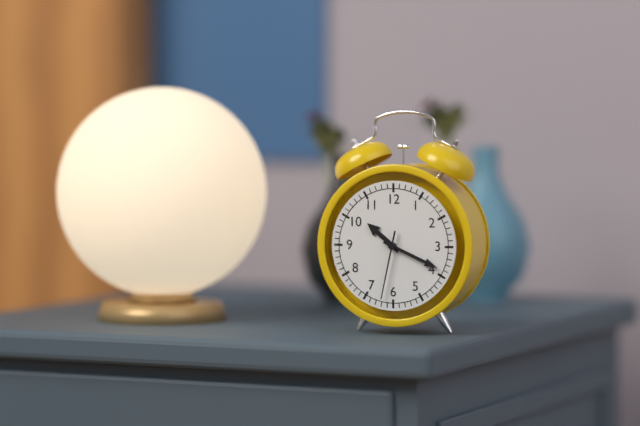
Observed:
10.19.32
